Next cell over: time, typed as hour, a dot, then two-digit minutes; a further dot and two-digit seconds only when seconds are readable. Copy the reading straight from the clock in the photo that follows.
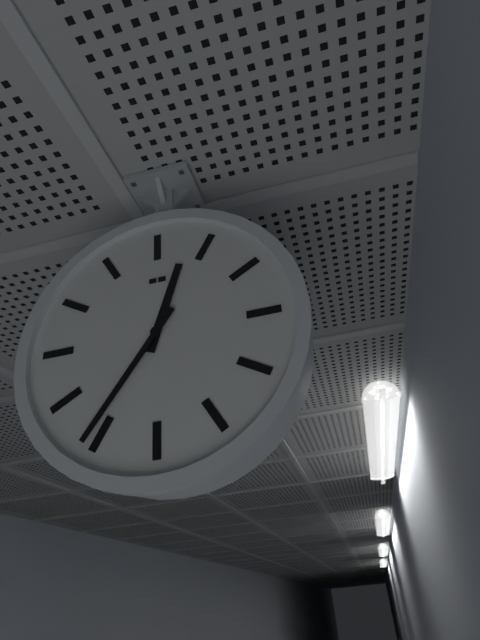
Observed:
12.36
